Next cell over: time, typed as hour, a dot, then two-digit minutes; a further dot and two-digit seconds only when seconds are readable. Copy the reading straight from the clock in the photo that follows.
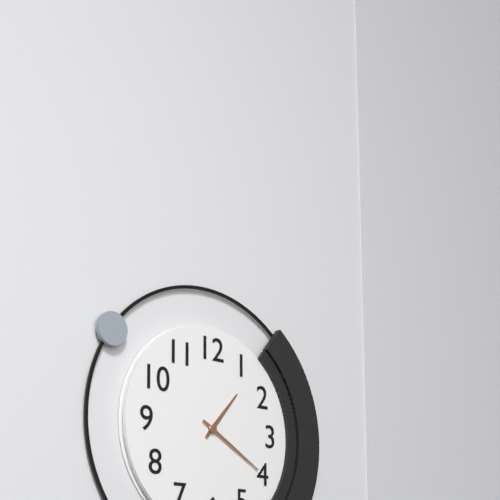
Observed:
1.20
